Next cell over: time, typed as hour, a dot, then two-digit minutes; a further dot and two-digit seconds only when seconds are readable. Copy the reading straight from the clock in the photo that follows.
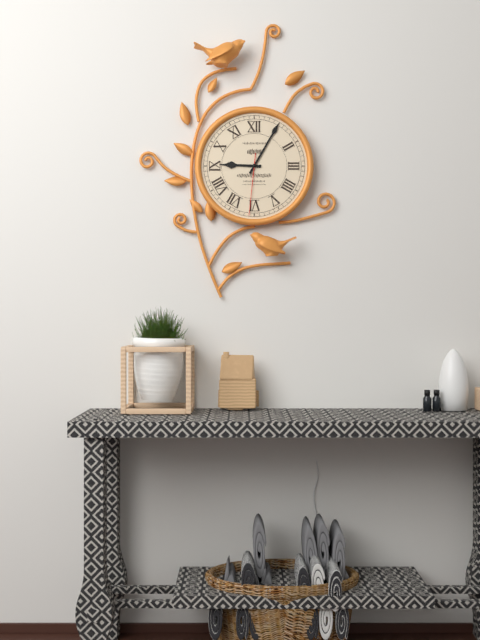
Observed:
9.05.31
